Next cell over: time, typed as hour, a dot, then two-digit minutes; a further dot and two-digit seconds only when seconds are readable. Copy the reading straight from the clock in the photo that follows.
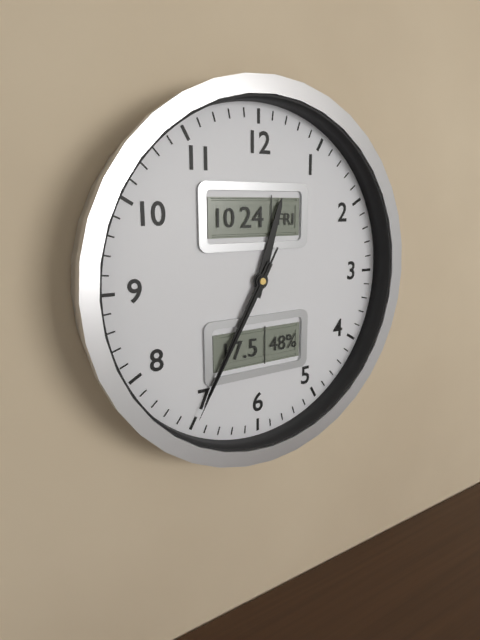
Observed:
12.35.35
